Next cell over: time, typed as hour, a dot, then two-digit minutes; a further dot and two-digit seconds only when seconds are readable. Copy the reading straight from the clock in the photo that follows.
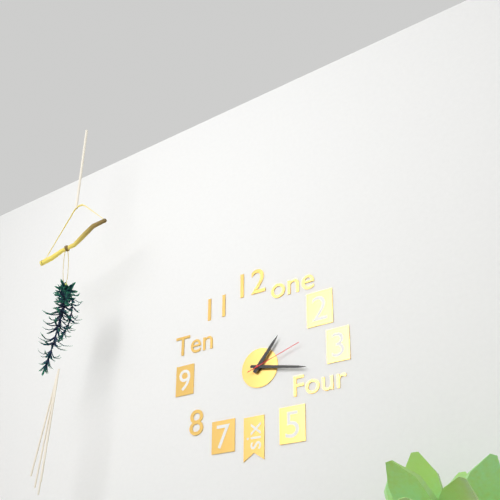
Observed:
1.17.12
